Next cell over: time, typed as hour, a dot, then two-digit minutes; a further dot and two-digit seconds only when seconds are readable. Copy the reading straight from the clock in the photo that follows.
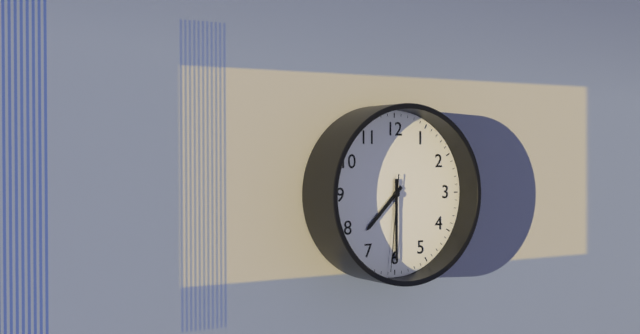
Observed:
7.30.31
